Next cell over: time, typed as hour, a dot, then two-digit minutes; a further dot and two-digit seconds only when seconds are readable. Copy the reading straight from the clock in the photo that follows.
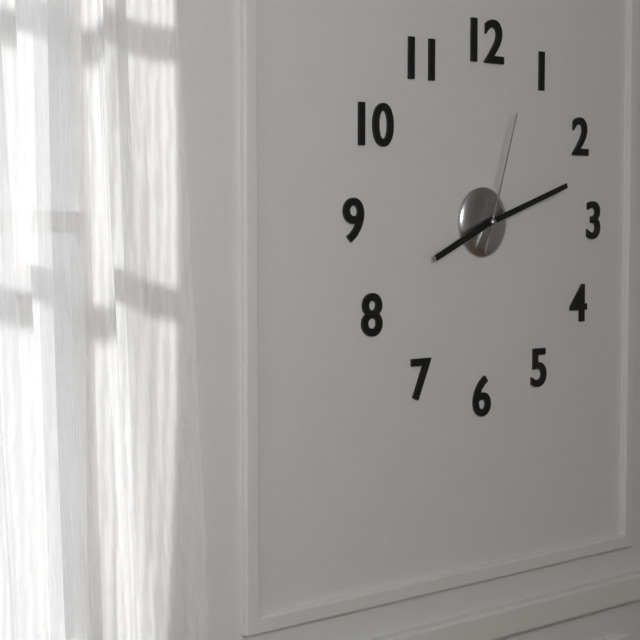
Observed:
8.12.03
